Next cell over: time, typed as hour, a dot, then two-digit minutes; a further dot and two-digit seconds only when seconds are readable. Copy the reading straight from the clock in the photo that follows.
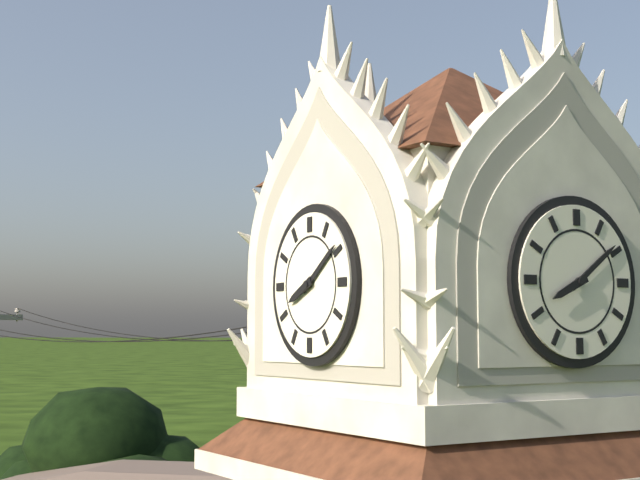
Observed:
8.09
